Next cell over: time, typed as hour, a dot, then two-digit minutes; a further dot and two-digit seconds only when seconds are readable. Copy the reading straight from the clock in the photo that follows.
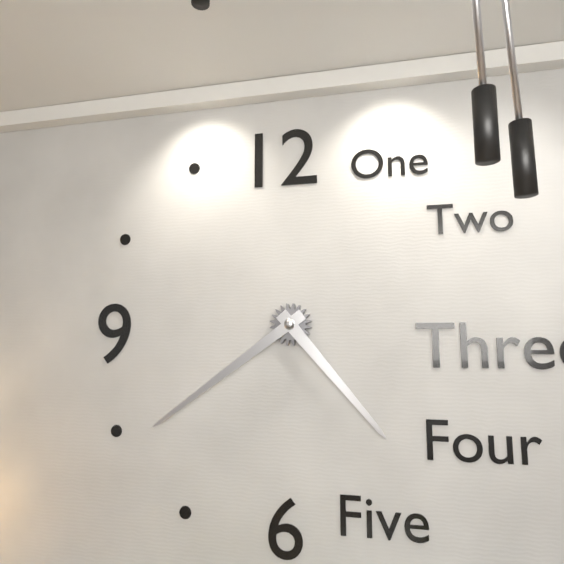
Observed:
4.39
